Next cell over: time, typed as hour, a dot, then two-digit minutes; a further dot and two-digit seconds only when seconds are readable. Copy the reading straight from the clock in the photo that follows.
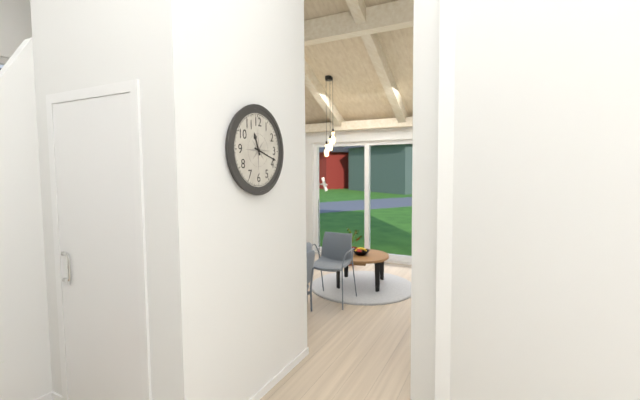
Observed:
11.18
